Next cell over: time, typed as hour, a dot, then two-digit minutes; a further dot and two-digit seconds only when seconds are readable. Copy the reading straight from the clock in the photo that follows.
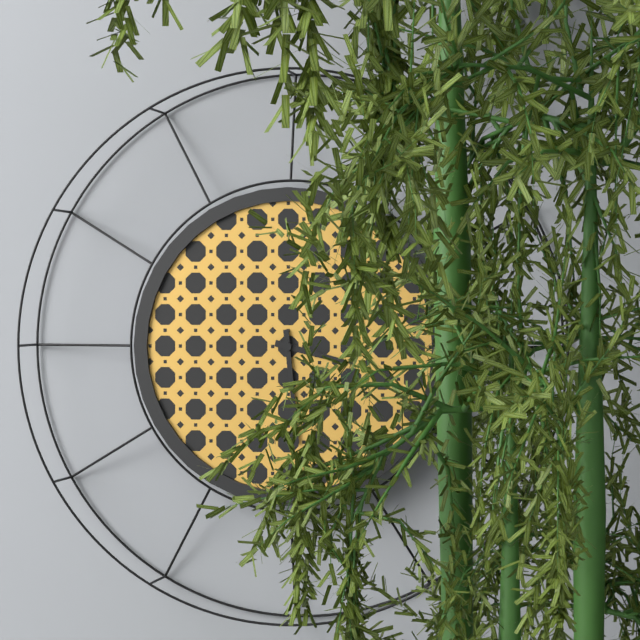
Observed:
3.29
